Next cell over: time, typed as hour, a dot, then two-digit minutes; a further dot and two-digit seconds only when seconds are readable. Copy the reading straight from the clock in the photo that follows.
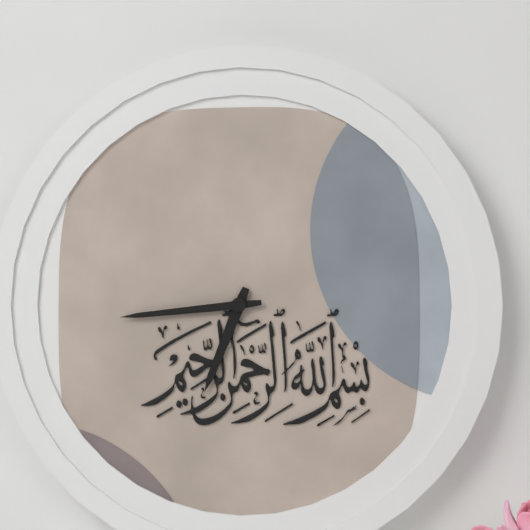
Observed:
6.44
